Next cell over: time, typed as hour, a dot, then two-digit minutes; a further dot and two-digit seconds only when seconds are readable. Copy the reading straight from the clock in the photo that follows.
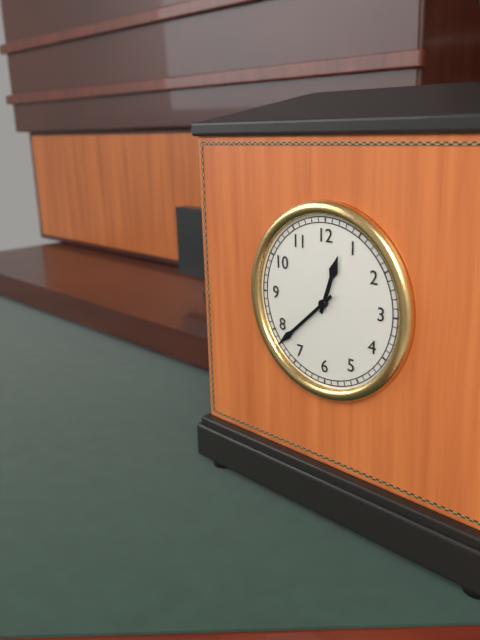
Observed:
12.38
